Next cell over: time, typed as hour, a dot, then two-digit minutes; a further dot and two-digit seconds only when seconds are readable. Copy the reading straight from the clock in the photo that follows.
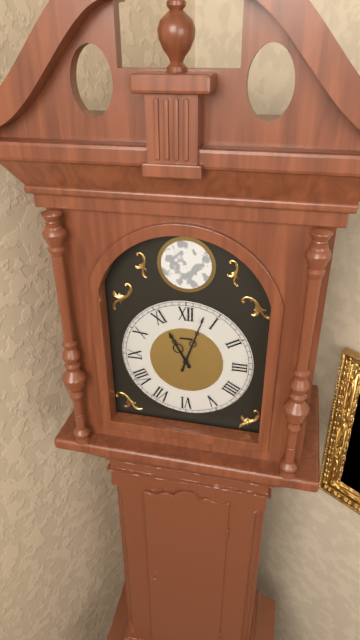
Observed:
11.03
